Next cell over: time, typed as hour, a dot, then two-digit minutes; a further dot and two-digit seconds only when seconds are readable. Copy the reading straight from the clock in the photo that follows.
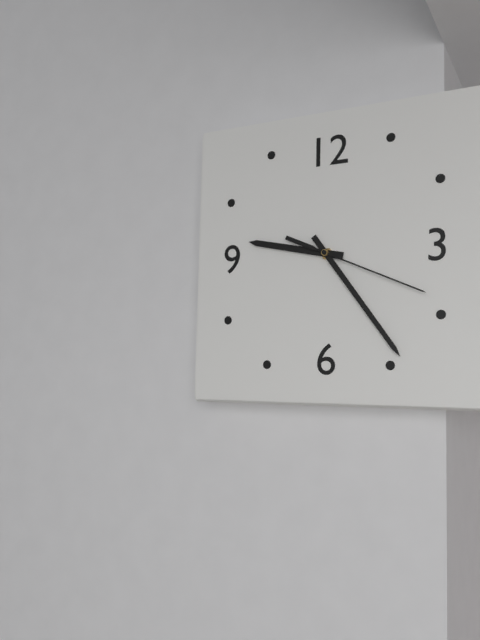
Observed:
9.24.19
